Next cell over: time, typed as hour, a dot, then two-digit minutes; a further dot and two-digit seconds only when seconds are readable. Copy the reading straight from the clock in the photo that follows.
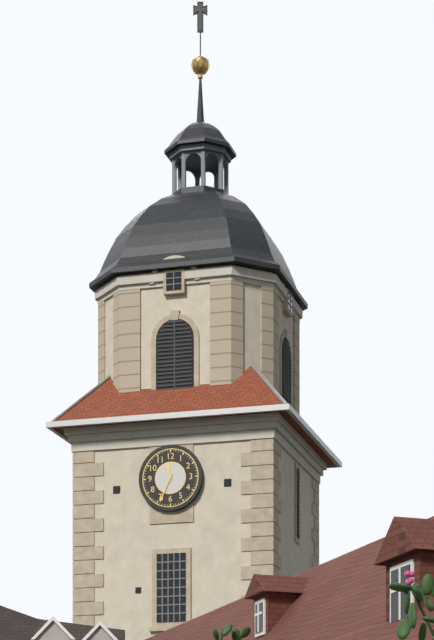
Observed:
11.34
